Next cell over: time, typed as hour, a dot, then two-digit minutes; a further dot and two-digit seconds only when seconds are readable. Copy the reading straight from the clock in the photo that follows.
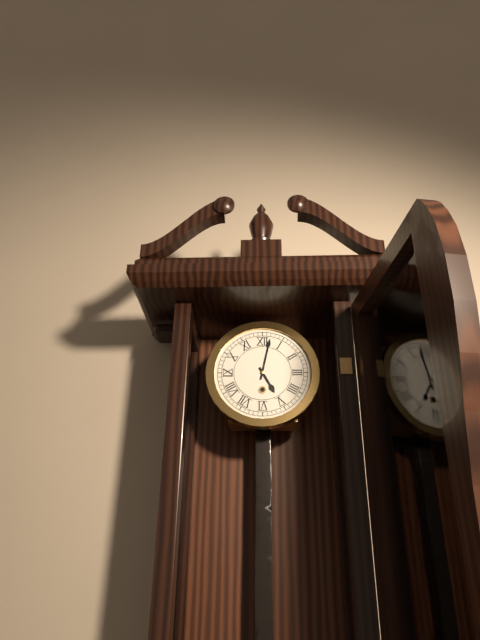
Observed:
5.02
